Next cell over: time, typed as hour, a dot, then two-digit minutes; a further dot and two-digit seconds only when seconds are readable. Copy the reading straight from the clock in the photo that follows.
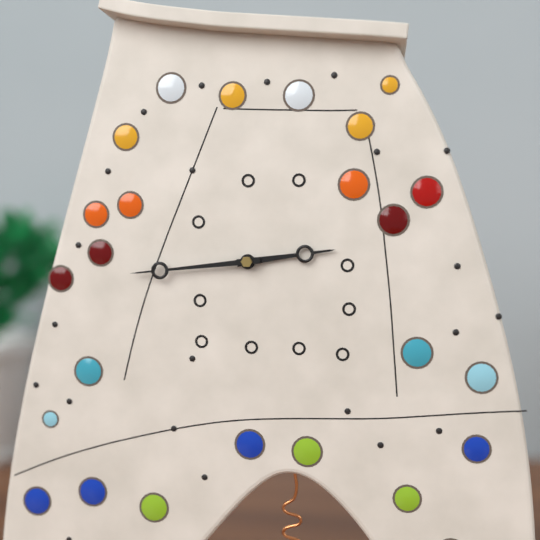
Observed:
2.44
